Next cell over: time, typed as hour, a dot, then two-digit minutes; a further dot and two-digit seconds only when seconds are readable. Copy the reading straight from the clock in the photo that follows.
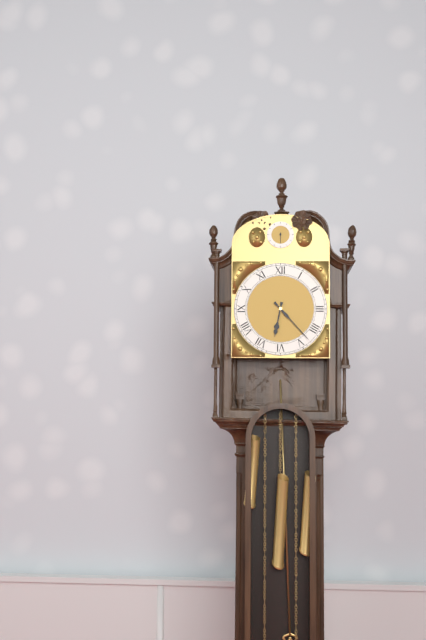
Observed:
6.23
